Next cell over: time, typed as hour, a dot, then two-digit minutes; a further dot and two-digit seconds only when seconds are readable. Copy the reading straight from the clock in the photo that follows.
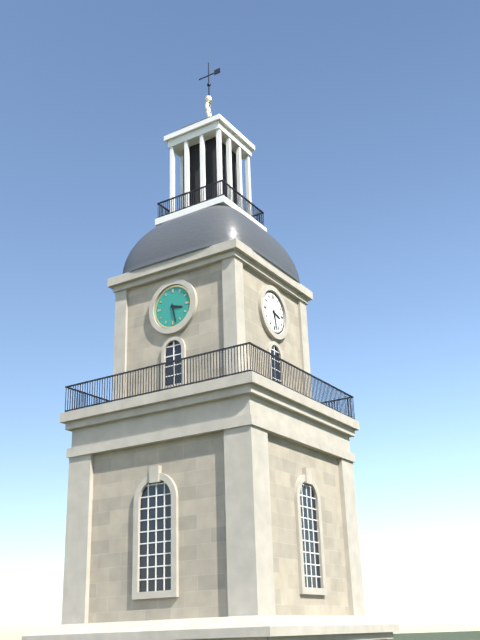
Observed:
3.28
